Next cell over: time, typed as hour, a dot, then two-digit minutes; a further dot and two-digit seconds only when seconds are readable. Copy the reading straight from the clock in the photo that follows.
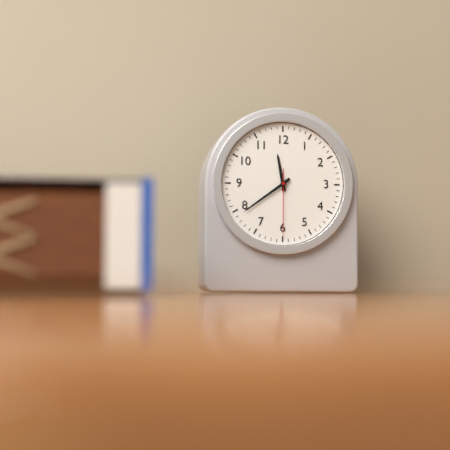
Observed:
11.39.30
